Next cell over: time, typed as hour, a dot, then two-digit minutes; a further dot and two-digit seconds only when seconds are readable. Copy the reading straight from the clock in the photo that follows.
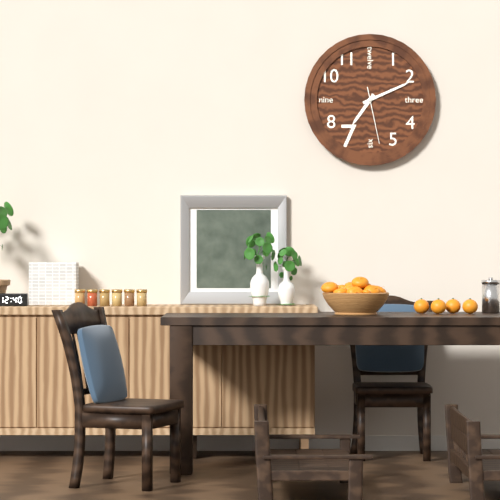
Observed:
7.11.28
